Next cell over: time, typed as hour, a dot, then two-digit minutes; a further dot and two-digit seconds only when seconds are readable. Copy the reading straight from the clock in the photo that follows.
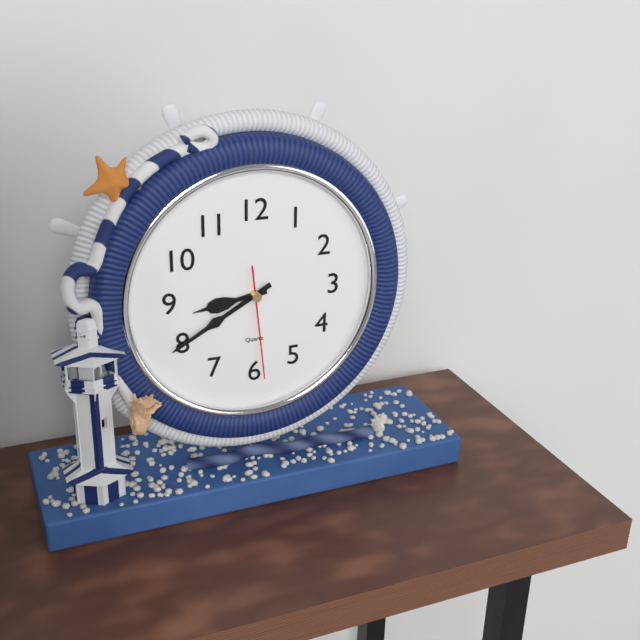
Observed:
8.40.29
